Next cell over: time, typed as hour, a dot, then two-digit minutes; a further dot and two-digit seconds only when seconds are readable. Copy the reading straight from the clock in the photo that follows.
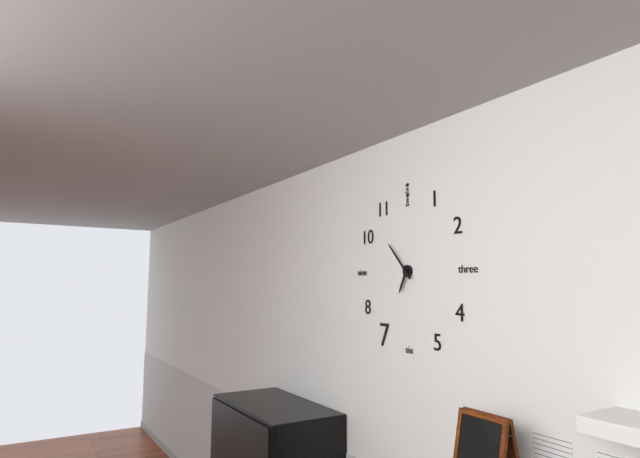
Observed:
6.53
